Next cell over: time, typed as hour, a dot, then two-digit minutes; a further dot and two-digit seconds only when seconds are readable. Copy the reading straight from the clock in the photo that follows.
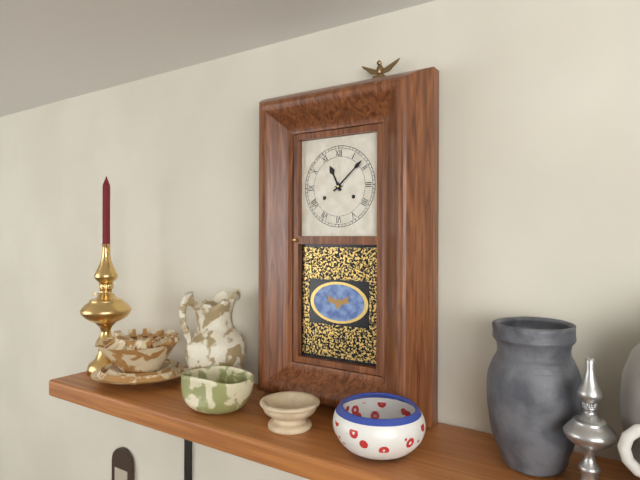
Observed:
11.08
